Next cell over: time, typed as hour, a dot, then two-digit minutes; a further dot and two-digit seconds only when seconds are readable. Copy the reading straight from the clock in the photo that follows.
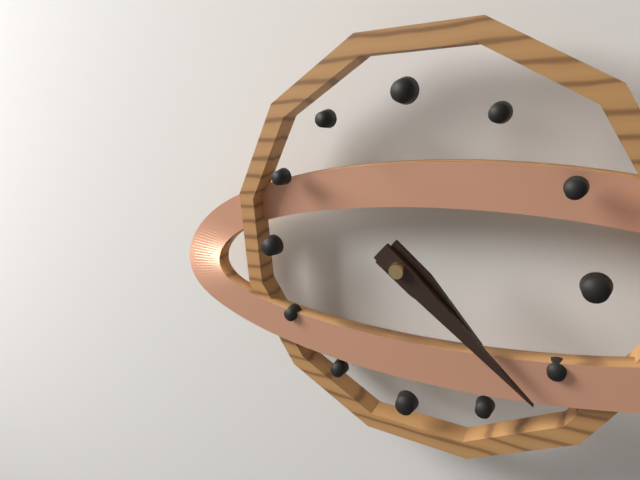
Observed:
4.22
